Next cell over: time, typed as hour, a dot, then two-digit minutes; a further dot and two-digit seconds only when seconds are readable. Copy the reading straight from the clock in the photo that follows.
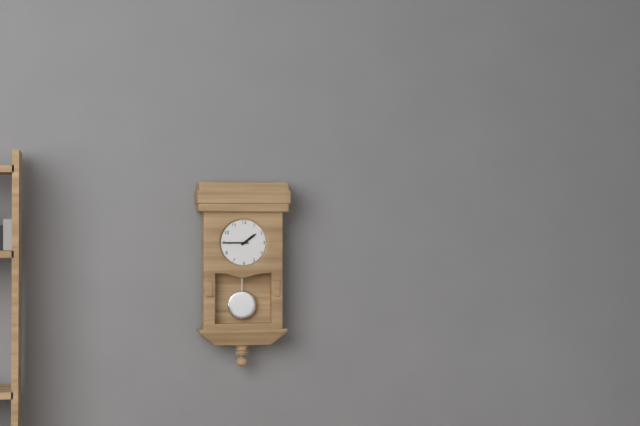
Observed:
1.45
